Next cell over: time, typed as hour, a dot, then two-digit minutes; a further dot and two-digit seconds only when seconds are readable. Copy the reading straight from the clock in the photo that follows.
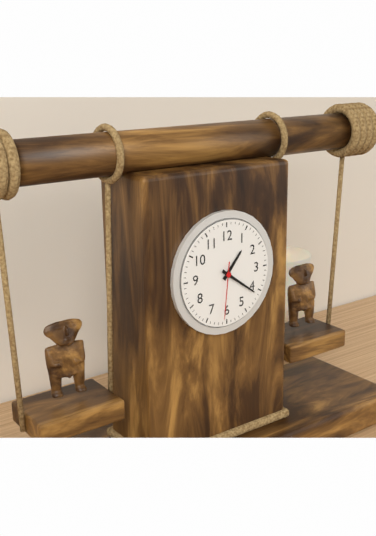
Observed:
1.21.31
